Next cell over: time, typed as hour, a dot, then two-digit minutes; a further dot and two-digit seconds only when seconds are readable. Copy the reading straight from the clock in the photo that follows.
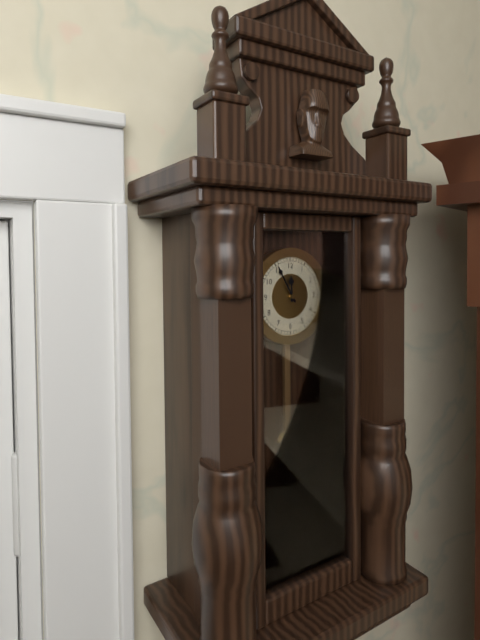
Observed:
11.55
